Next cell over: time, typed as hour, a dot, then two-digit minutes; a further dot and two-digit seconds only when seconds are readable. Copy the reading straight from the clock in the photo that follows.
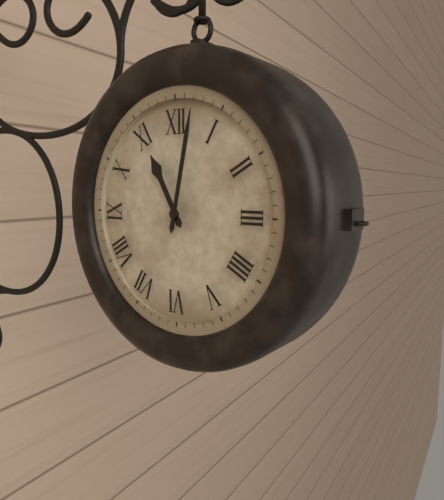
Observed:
11.02
